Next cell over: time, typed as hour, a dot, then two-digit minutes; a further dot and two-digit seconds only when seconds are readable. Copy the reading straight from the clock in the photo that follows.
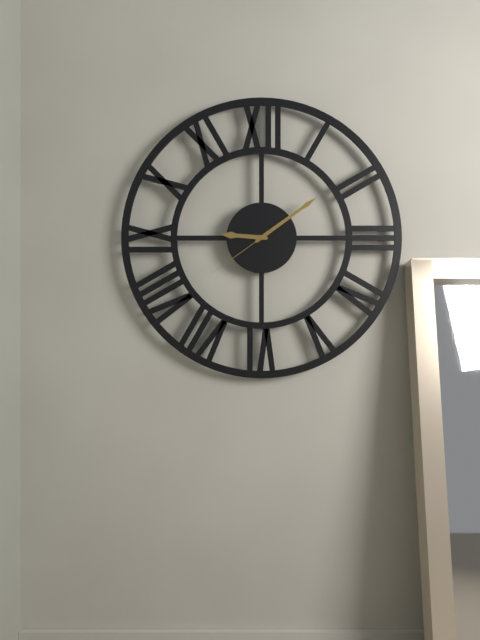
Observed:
9.09.39
